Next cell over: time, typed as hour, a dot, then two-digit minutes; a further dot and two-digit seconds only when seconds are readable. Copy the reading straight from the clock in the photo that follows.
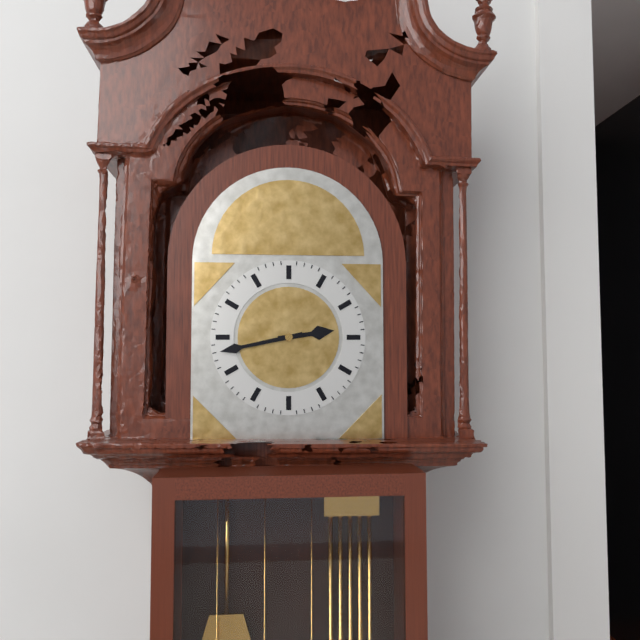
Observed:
2.43
